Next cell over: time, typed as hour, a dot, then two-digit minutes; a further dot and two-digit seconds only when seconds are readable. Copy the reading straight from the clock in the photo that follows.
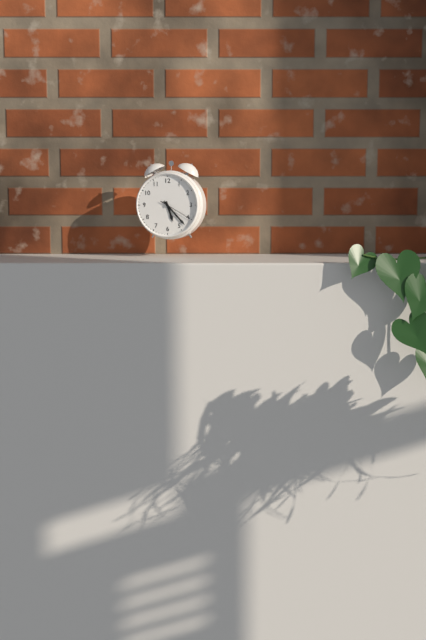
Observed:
5.23
